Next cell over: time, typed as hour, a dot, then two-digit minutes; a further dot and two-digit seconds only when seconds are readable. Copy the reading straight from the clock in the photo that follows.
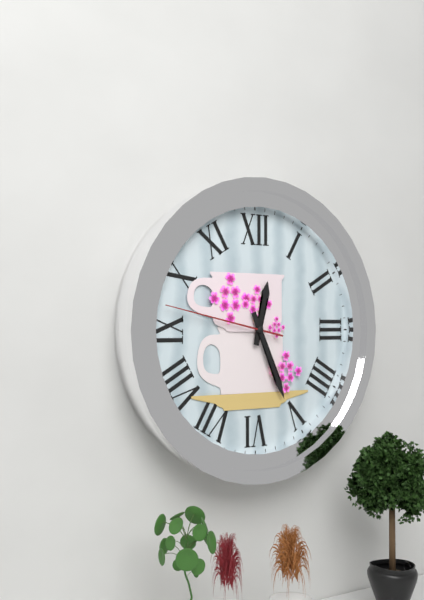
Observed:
12.26.47
